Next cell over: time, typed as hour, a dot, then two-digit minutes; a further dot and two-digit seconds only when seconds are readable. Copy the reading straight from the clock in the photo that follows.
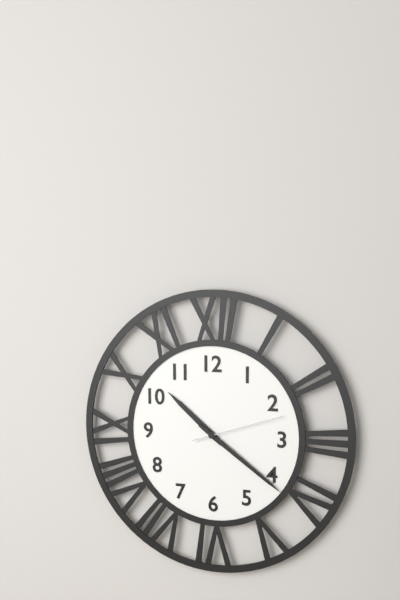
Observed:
10.21.12
